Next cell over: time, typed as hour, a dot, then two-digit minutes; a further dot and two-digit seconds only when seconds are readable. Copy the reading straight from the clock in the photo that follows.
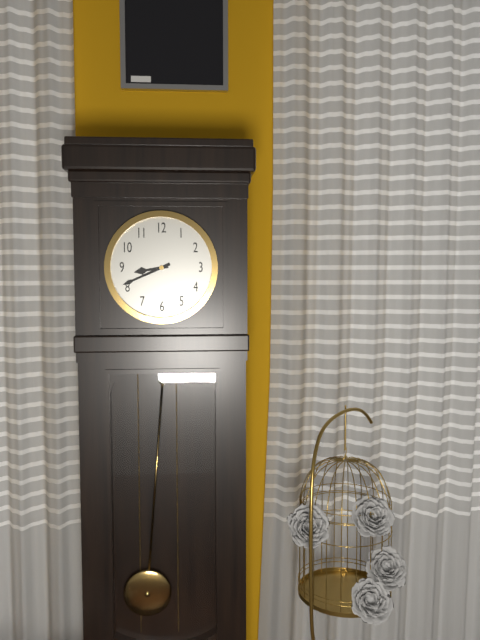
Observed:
8.41
